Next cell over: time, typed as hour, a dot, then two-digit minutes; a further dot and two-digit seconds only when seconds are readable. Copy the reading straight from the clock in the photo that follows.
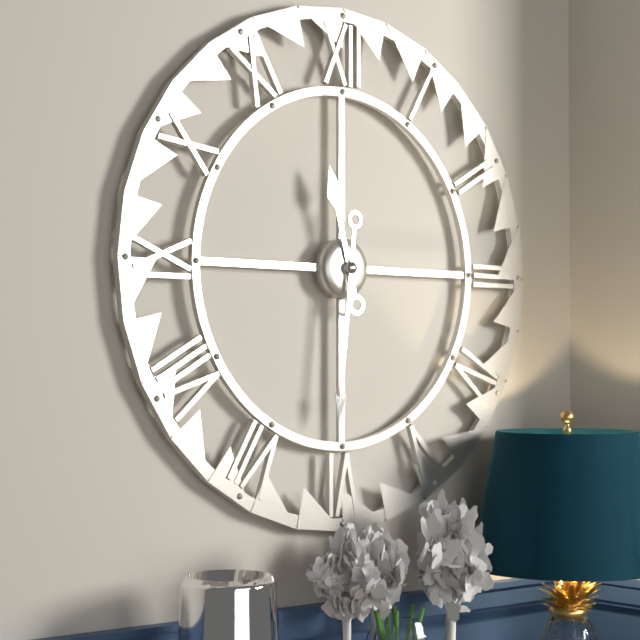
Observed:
11.31
